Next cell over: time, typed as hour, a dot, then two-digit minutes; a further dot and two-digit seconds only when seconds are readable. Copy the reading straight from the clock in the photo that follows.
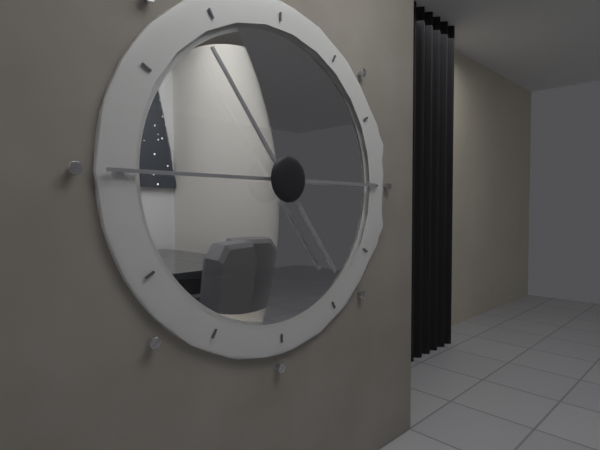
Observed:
10.45
